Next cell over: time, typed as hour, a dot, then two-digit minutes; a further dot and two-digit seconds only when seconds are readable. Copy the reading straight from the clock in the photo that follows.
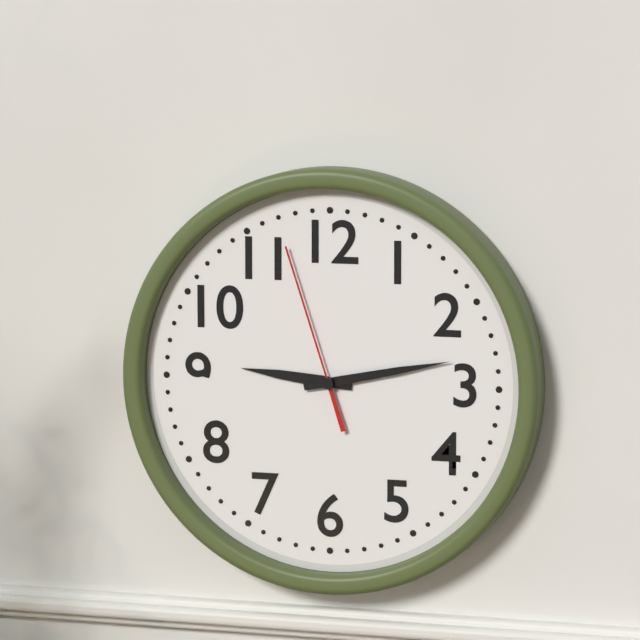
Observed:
9.13.57
